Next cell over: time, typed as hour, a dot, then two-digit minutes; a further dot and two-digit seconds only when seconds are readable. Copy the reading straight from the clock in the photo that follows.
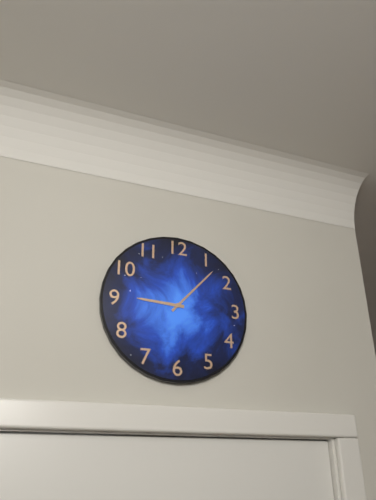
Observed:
9.07
